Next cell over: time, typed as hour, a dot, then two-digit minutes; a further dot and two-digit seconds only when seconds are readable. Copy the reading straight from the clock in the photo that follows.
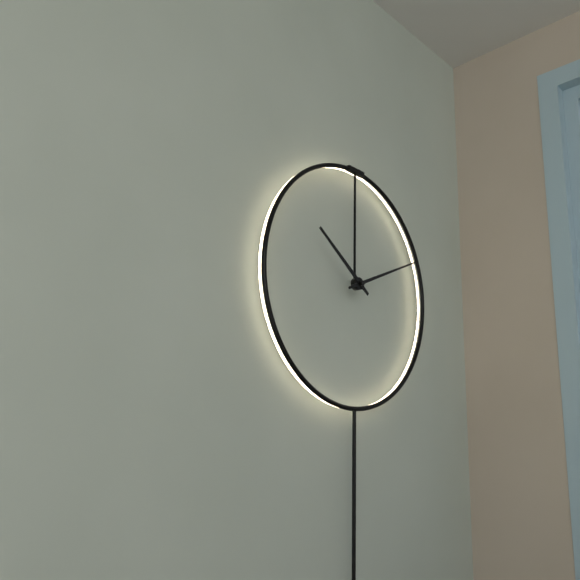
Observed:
10.11
